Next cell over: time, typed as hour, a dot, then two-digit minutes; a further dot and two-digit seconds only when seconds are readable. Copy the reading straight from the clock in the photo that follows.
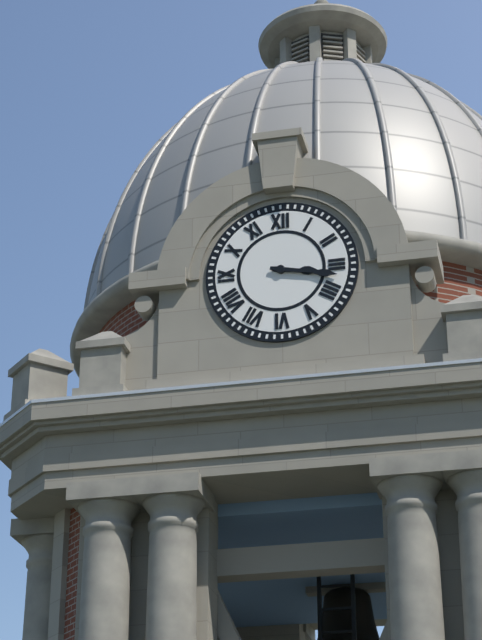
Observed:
3.17
